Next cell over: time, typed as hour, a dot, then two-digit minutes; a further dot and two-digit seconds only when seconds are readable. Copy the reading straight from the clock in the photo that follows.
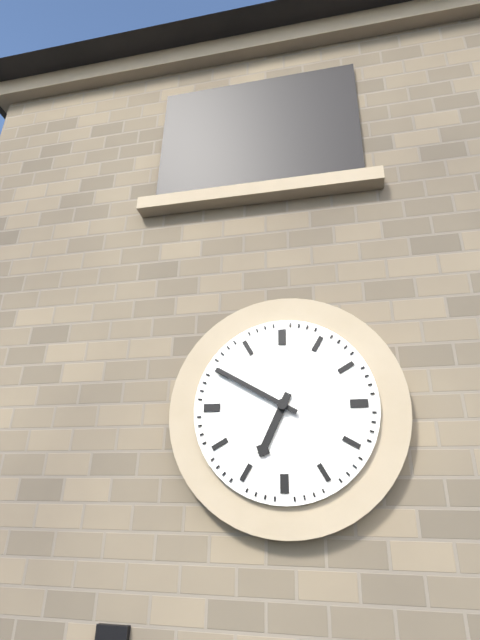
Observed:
6.50
